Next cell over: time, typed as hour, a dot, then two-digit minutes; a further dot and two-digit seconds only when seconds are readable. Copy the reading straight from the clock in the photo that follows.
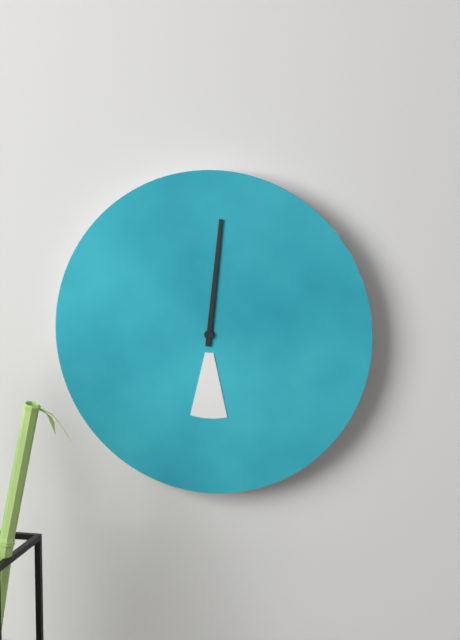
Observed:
6.01
